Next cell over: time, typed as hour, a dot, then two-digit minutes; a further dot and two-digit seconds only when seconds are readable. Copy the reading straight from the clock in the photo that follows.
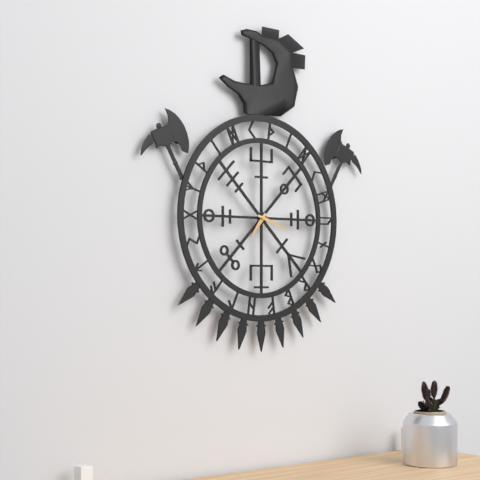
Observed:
7.18
